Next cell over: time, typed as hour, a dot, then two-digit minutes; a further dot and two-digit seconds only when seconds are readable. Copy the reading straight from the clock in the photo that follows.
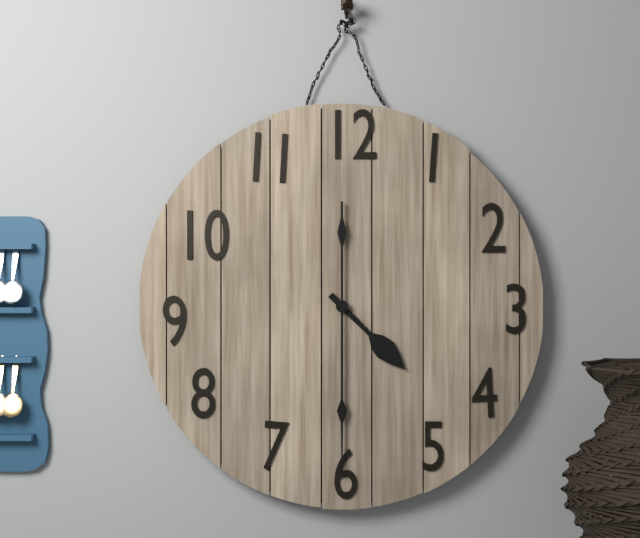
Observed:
4.30
